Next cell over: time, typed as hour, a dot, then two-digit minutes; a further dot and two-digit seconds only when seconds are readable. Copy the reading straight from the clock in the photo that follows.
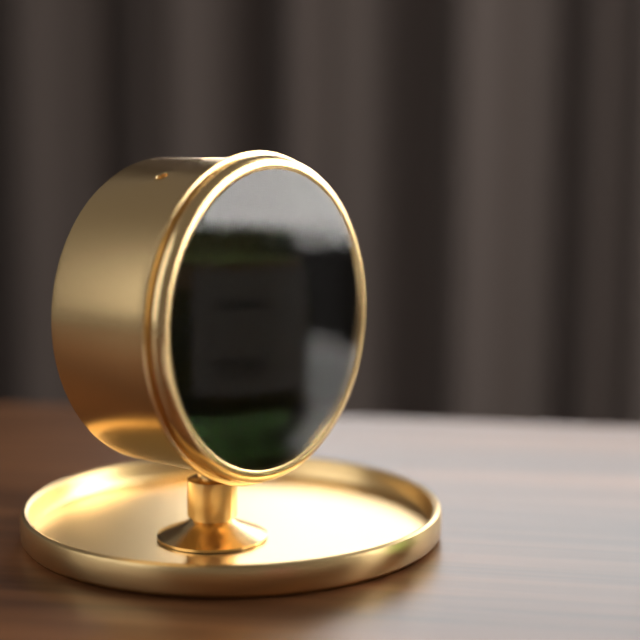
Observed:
10.35.07
